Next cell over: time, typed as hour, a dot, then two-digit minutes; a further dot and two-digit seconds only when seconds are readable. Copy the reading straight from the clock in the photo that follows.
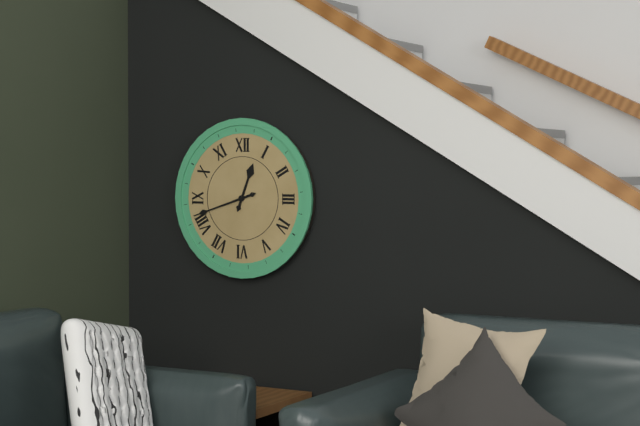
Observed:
12.42
